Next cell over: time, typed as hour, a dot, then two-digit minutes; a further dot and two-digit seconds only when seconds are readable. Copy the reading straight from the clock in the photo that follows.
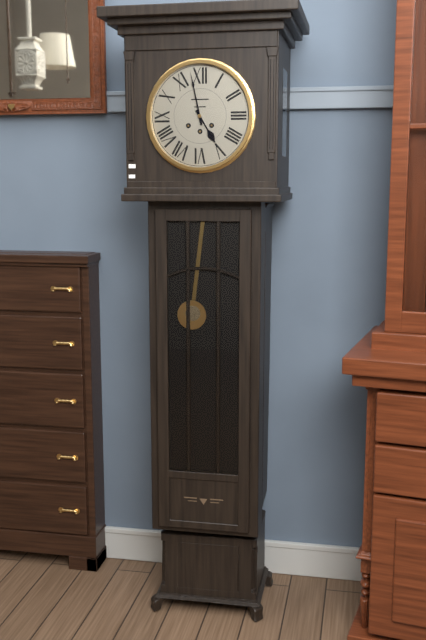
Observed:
4.58
